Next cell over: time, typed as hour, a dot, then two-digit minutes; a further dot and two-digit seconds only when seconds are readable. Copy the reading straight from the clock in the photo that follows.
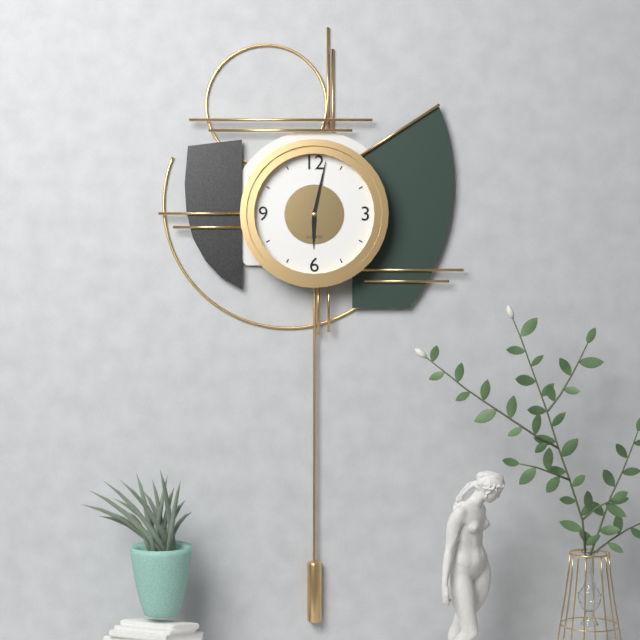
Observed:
6.02
